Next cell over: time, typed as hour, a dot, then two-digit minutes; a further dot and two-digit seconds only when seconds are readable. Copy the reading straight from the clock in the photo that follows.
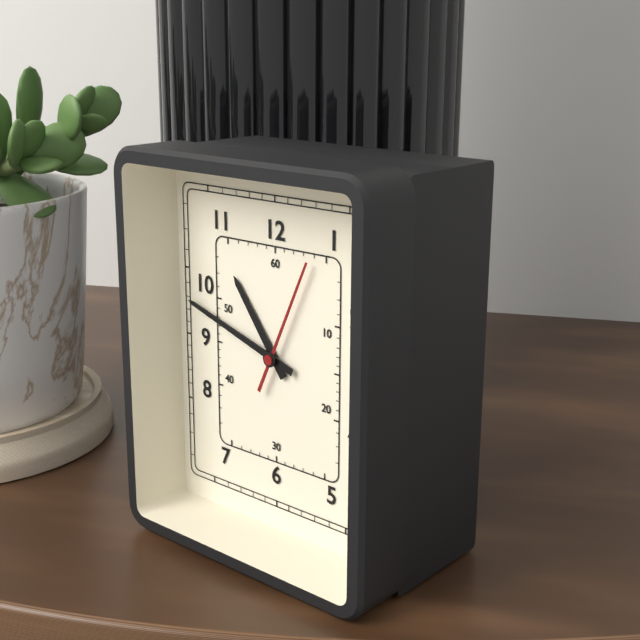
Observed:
10.48.04
